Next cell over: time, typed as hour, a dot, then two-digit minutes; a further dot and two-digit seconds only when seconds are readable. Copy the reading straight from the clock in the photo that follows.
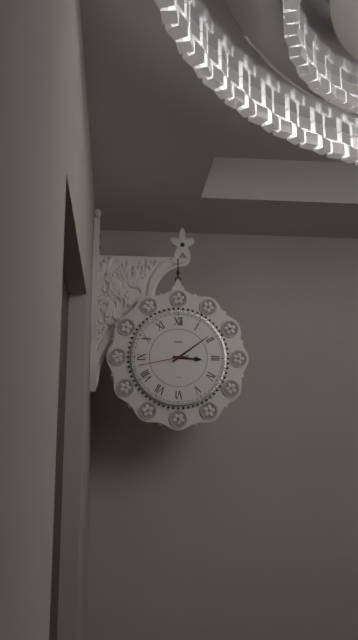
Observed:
3.09.43
